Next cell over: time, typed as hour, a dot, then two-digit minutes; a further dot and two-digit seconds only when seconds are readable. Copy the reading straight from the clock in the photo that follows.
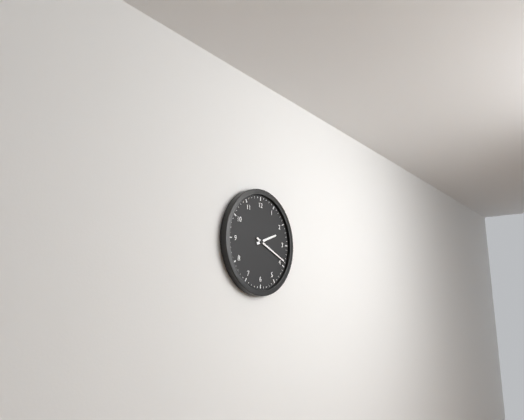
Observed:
2.19
